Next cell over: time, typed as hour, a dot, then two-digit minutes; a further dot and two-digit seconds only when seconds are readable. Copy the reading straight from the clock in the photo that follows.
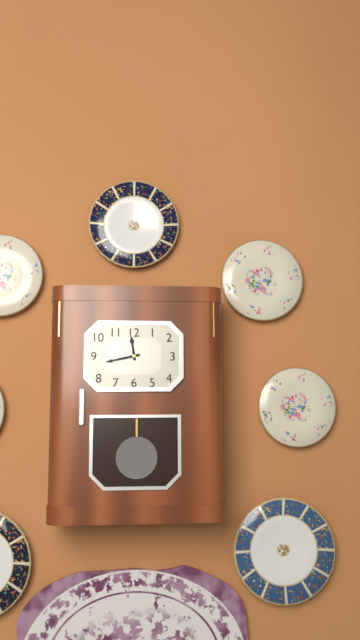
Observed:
11.43
